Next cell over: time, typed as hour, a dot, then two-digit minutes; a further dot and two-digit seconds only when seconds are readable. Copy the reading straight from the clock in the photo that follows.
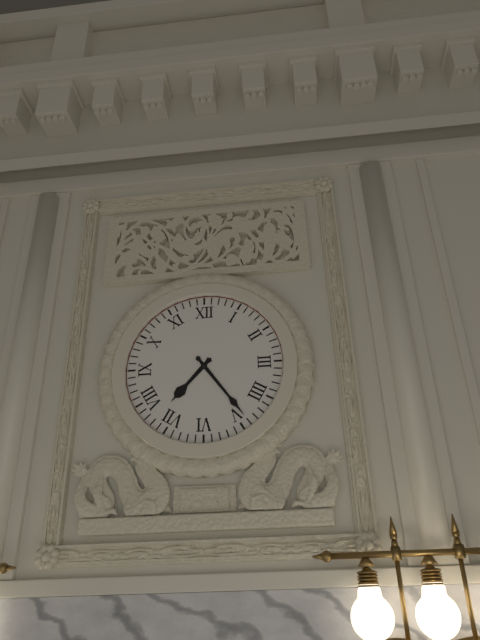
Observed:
7.24
